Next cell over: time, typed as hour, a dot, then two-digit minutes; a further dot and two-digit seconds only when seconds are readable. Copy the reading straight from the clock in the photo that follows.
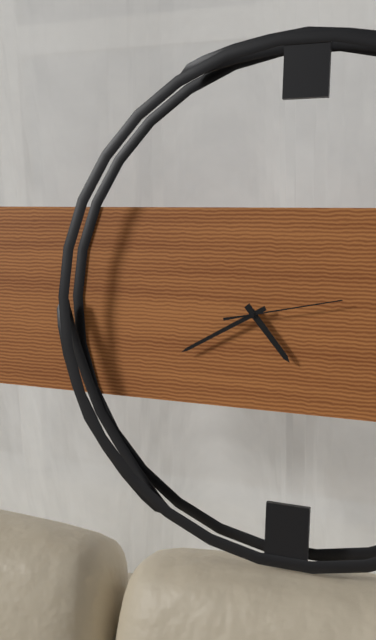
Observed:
4.40.13
